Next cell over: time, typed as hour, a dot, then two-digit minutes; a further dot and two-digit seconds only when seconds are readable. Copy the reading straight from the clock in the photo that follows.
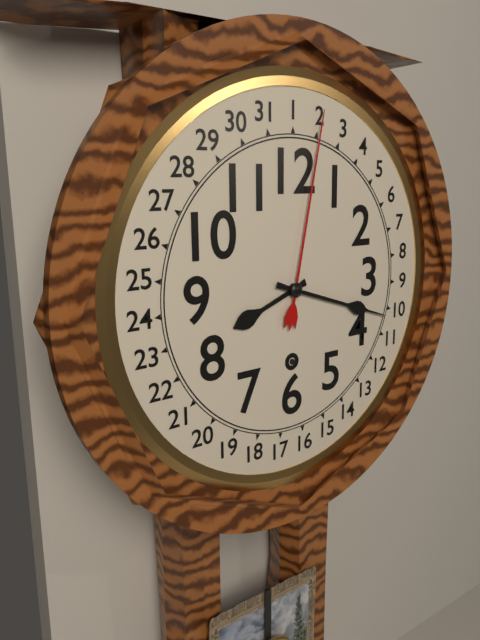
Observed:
8.18
